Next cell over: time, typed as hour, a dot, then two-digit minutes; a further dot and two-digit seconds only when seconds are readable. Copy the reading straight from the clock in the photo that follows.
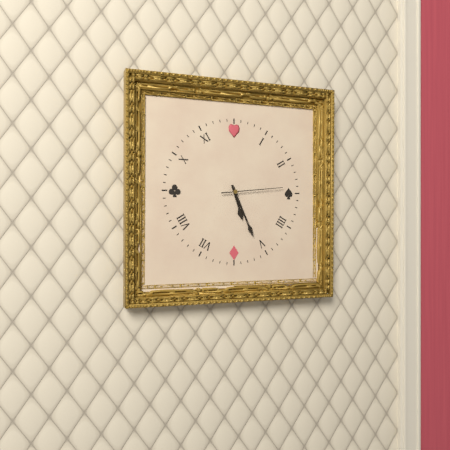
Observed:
5.26.14
